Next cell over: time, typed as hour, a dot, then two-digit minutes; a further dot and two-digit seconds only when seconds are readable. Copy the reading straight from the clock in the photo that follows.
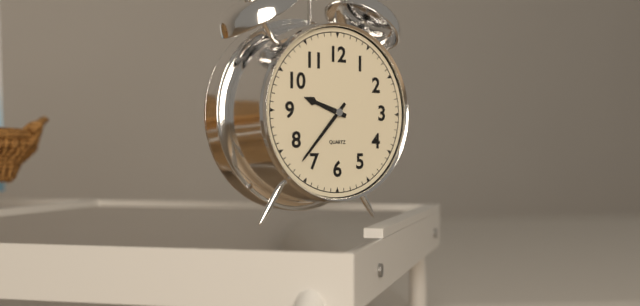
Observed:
9.37
